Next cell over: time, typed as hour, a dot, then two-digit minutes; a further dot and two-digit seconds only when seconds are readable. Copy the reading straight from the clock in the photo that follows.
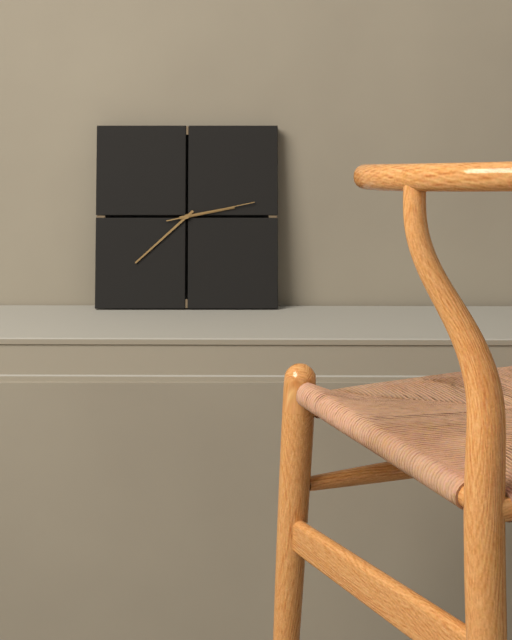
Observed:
2.38.13
